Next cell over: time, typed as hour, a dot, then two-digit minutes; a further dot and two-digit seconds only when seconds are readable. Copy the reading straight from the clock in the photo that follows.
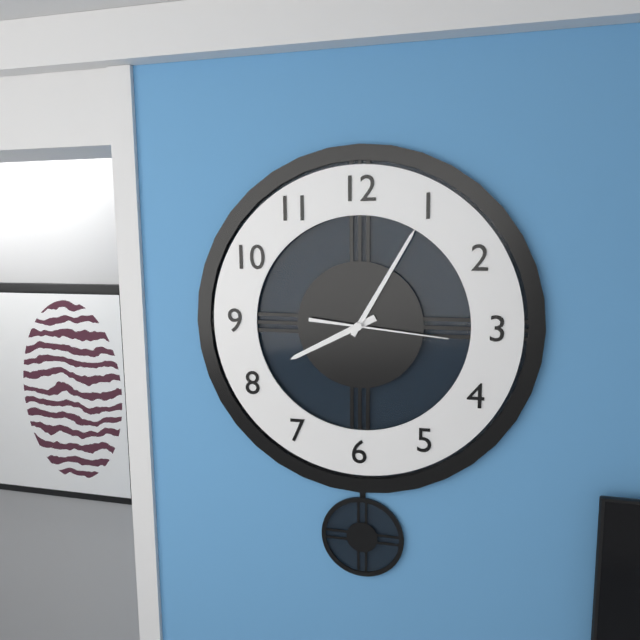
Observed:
8.05.16
